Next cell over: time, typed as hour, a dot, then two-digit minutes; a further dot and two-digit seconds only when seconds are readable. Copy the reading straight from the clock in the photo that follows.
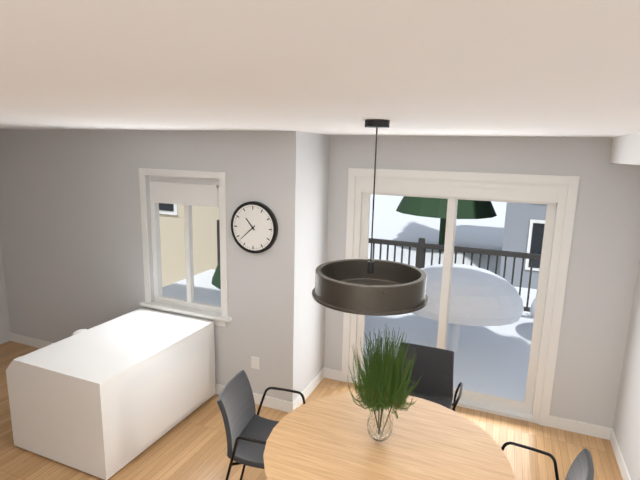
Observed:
10.38
